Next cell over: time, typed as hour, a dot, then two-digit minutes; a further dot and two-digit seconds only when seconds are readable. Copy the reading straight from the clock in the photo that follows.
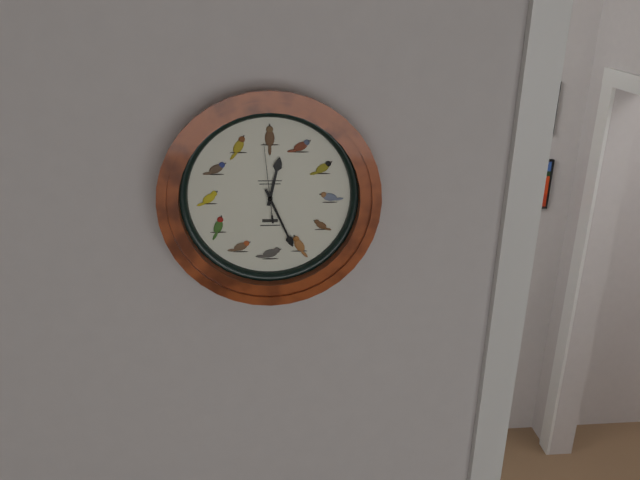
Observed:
12.26.59
